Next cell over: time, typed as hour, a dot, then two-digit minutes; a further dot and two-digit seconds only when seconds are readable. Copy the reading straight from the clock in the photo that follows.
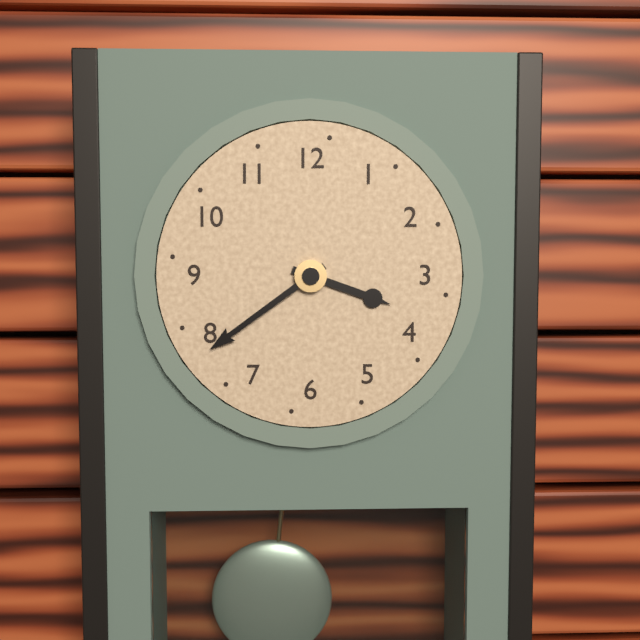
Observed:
3.39
